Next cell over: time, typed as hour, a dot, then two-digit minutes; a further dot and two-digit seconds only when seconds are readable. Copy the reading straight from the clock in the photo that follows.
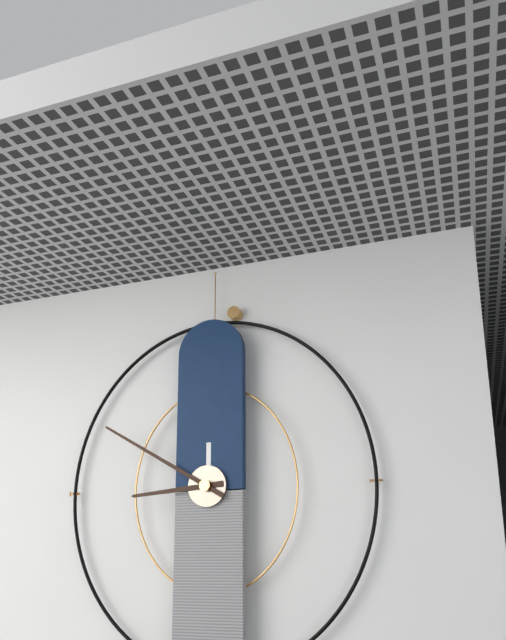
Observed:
8.50
